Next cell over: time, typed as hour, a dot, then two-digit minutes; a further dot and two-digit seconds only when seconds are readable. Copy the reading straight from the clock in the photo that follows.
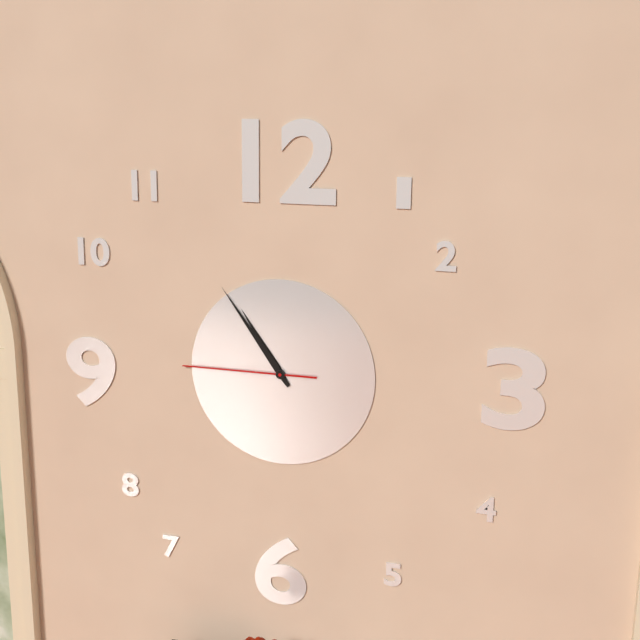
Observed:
10.54.45
